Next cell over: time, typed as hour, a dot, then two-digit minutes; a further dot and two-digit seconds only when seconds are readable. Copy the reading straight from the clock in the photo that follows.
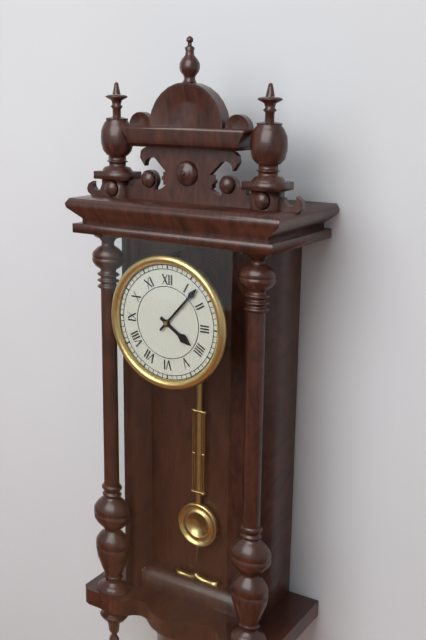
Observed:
4.07
